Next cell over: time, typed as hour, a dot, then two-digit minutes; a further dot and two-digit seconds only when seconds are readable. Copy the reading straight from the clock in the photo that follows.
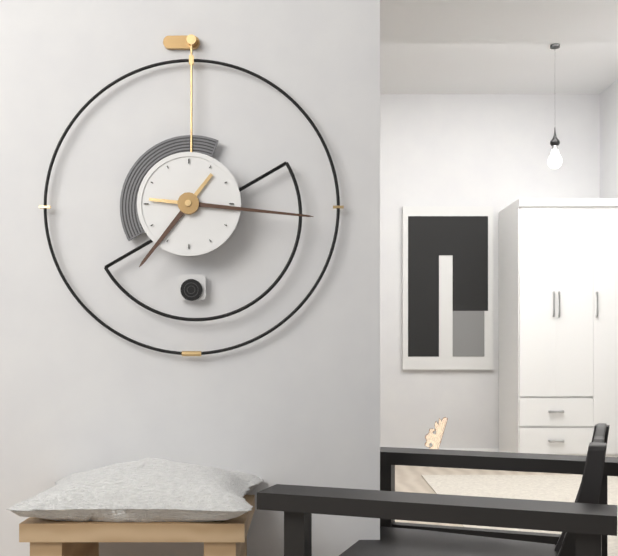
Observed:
7.16
